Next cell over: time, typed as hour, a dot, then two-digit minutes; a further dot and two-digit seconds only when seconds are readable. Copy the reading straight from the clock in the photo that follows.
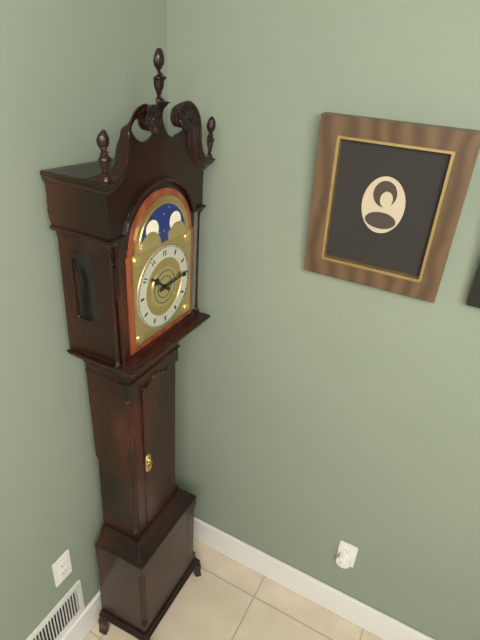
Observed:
10.14
